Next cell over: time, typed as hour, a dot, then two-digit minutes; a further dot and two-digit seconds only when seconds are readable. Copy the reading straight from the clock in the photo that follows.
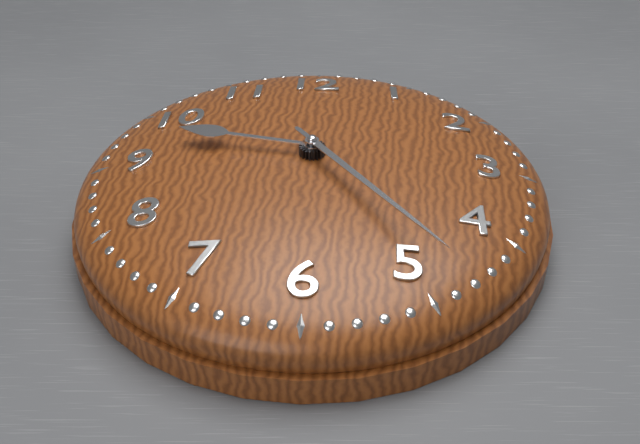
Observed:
9.24
